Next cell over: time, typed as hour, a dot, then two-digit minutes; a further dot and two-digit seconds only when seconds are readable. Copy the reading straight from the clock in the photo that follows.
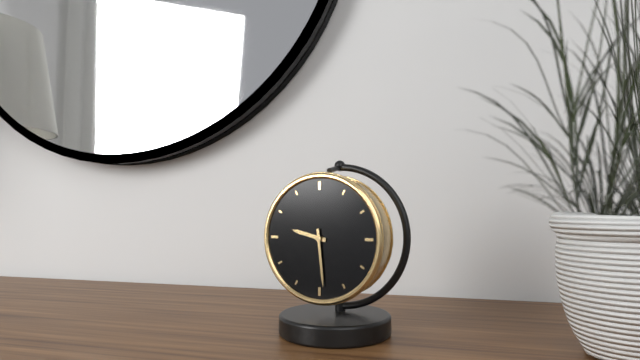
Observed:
9.29
